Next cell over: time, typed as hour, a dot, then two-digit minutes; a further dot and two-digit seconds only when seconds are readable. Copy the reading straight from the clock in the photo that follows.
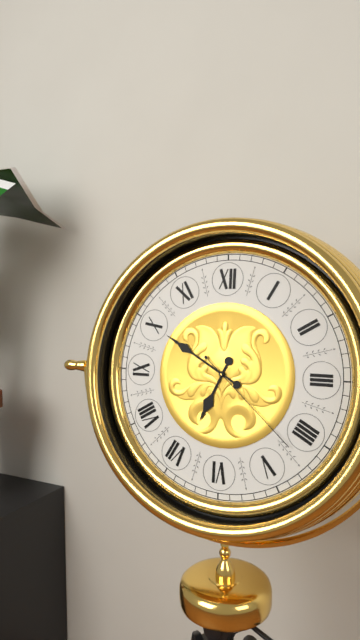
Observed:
6.50.22
